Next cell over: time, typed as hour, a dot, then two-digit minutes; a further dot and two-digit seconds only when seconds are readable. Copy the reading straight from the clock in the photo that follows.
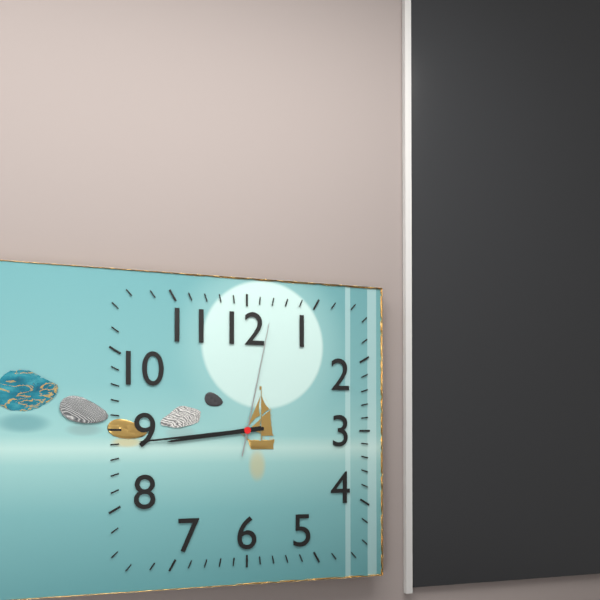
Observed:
8.44.02
